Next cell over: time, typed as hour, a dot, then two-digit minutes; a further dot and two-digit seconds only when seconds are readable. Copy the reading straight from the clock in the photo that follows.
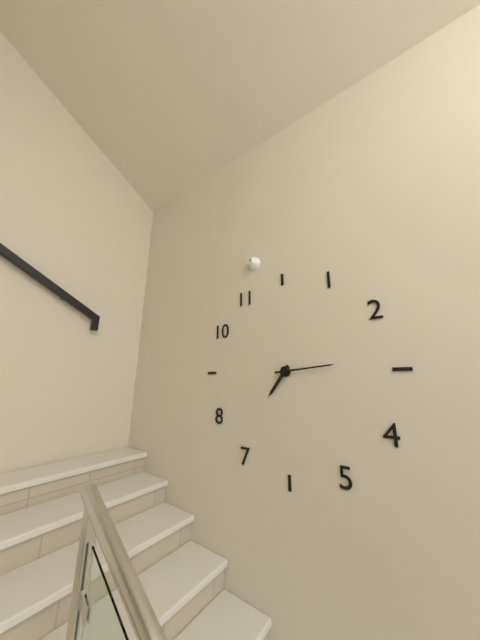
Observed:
7.14
